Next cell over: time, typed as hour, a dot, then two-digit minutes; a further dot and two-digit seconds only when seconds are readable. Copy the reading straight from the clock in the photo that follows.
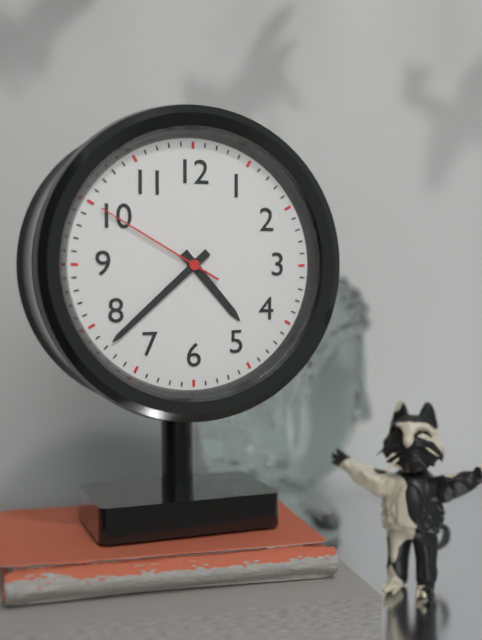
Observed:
4.38.50
